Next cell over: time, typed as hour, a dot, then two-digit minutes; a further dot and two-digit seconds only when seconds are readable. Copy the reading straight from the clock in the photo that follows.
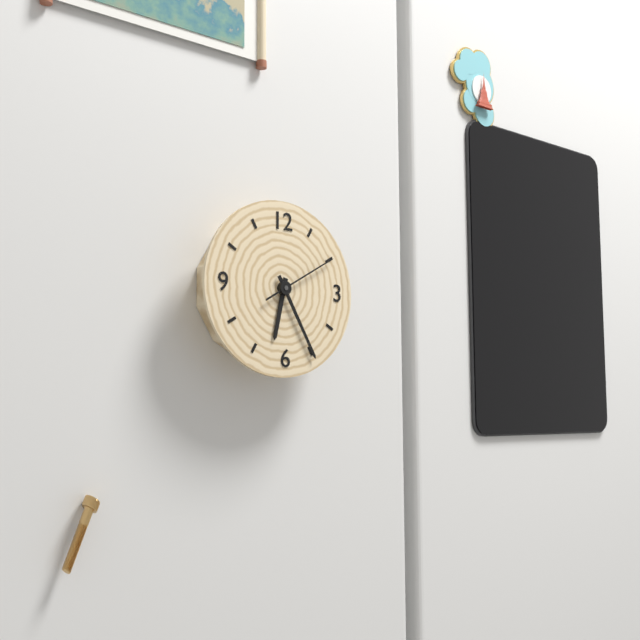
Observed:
6.25.10
